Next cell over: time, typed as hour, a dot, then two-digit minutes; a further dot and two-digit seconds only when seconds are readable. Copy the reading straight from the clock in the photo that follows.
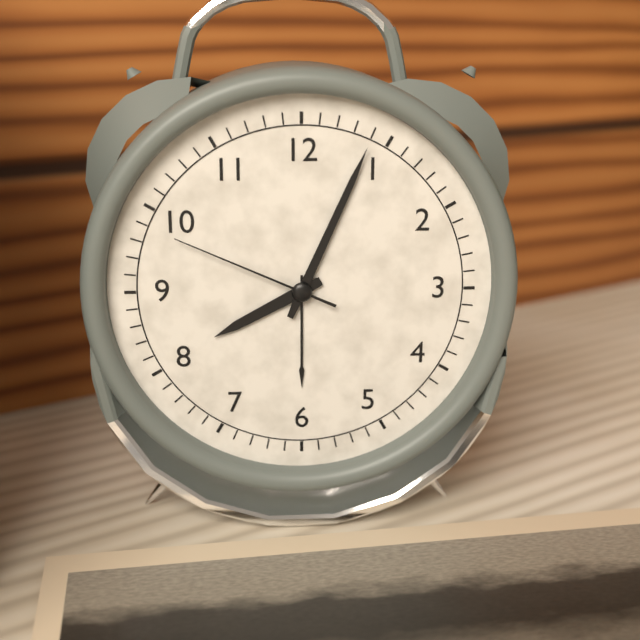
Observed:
8.04.49
